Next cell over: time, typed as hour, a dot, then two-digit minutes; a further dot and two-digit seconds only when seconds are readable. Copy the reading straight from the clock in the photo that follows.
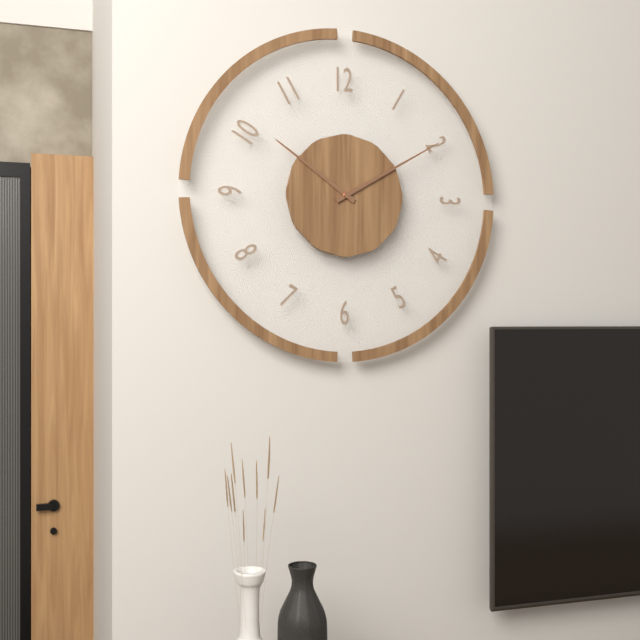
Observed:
10.10
